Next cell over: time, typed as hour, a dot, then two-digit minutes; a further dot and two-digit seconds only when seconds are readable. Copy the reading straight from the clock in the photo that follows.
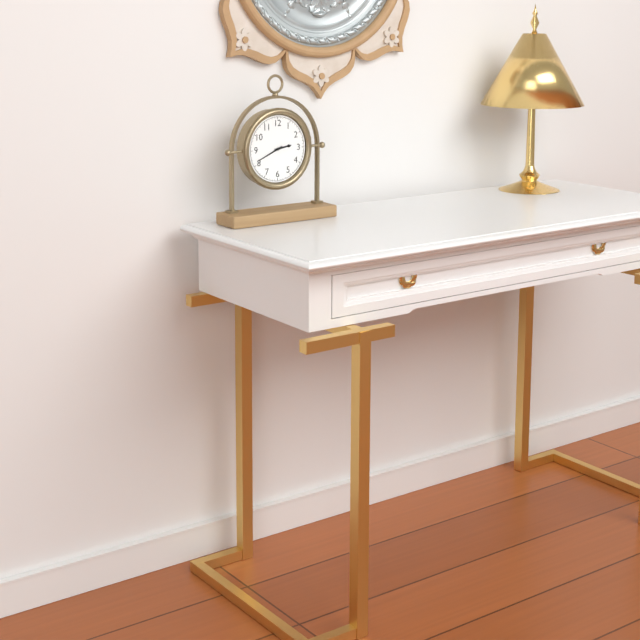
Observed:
2.41
